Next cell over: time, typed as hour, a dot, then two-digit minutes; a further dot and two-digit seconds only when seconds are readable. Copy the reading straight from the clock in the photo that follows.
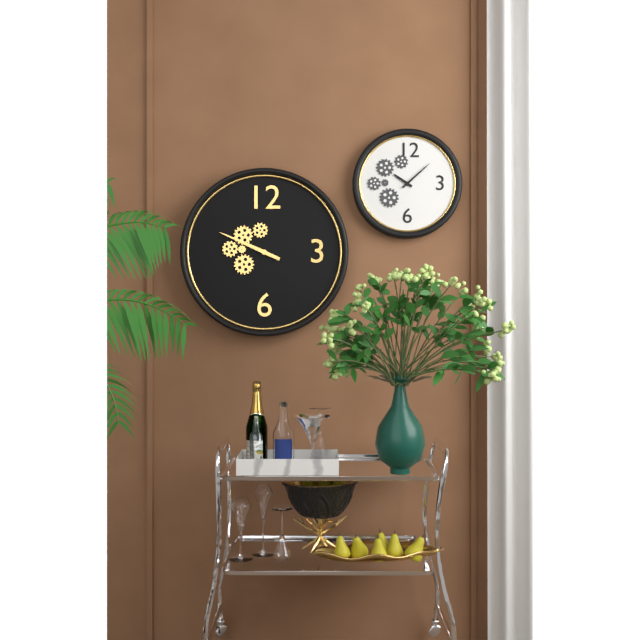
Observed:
9.49
